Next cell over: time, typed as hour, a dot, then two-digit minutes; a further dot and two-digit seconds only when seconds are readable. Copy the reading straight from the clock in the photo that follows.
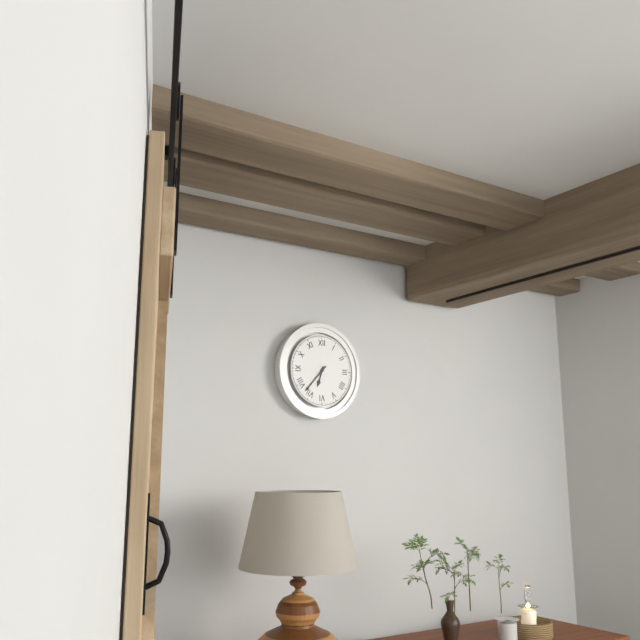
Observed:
6.37
